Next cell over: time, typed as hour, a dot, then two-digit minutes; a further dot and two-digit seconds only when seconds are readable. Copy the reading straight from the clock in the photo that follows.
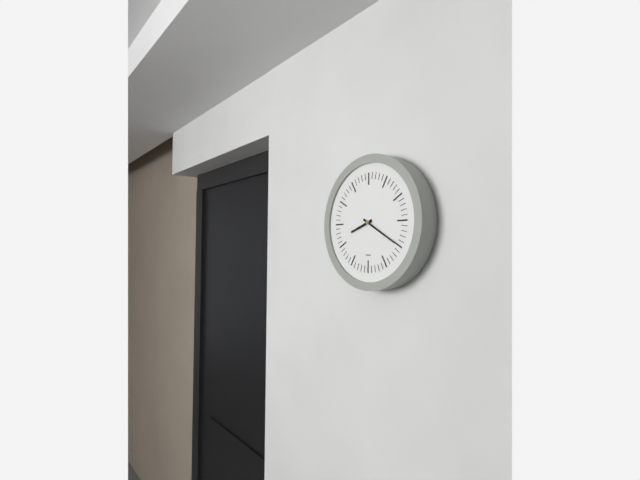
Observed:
8.20
